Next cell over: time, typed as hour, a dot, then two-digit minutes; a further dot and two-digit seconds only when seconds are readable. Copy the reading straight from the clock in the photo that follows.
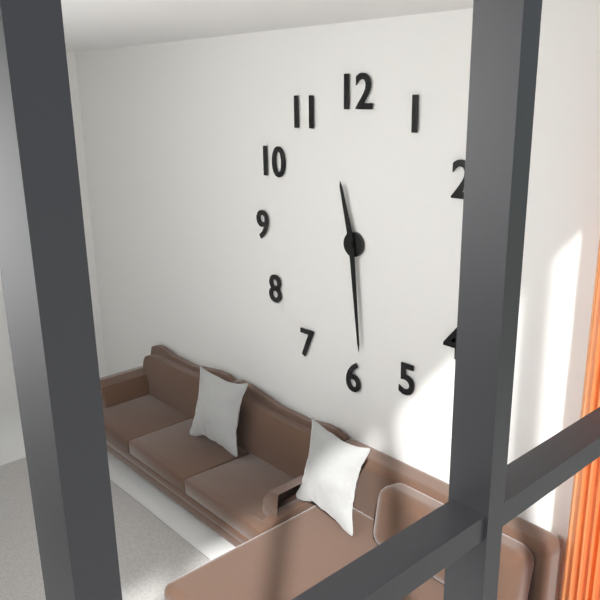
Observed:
11.29
